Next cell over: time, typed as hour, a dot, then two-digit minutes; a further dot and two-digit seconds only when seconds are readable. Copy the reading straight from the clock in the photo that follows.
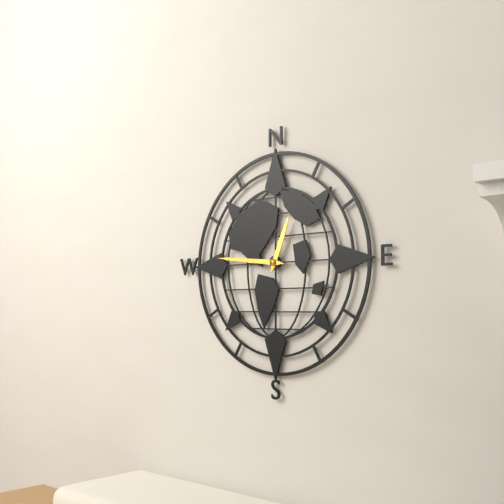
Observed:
12.46
